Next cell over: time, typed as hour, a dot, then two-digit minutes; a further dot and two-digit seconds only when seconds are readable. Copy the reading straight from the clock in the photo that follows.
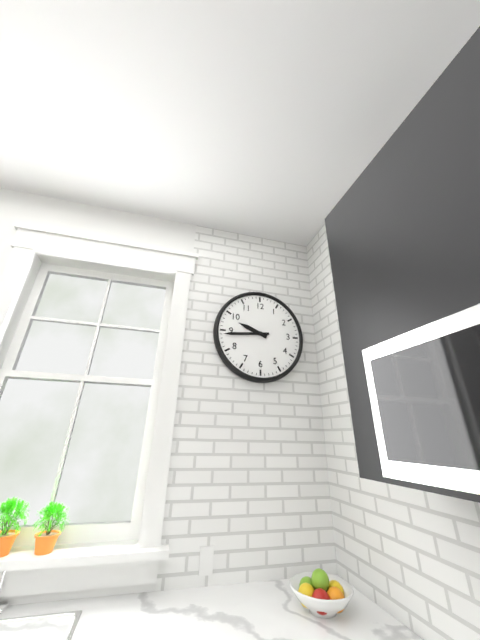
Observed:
9.44
